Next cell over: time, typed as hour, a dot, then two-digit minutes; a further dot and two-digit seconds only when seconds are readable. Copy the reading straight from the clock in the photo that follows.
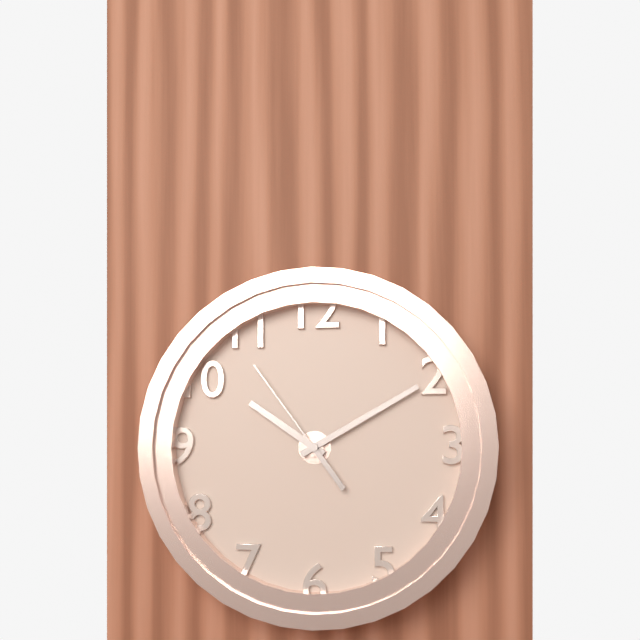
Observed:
10.10.54
